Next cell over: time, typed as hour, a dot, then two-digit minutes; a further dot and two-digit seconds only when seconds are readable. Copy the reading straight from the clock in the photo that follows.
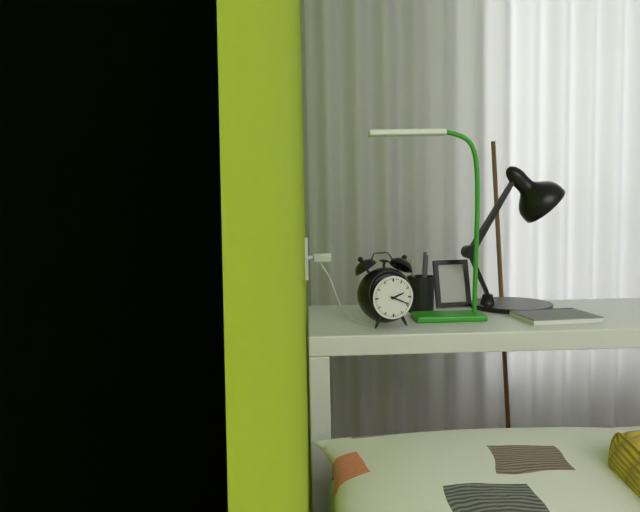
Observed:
2.19
